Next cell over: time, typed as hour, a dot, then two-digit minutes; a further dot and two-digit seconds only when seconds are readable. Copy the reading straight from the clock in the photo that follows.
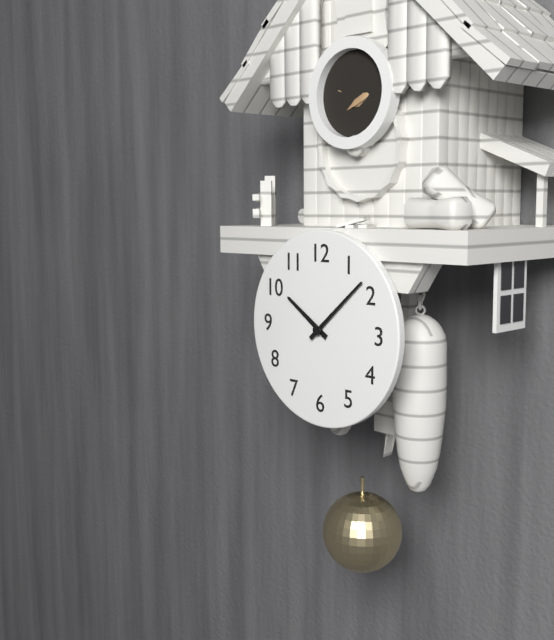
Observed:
10.08
